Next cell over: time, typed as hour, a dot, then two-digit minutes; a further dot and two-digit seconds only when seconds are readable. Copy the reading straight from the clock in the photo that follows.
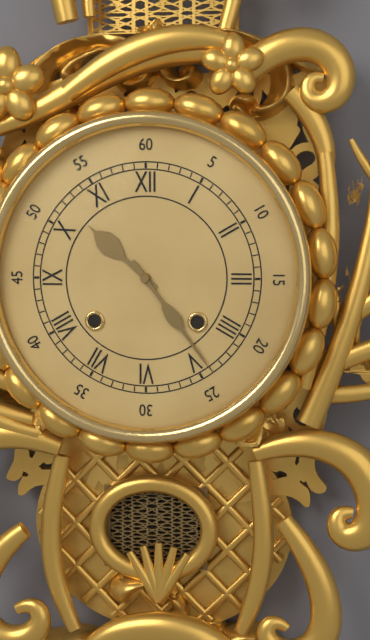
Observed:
10.24
